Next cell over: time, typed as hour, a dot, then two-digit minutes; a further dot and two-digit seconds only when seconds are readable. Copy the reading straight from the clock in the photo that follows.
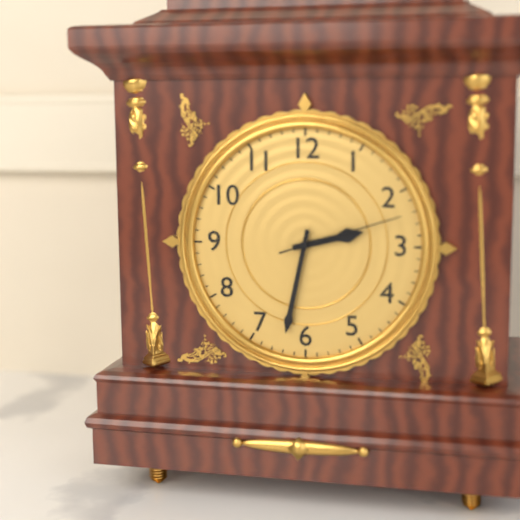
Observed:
2.32.12
